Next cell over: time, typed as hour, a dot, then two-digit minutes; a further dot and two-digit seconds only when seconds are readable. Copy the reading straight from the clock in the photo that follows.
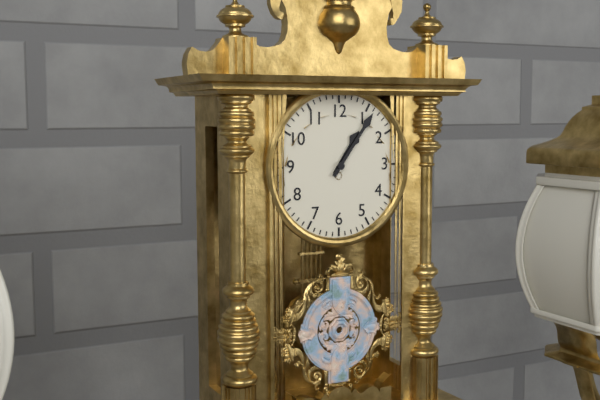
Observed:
1.06
